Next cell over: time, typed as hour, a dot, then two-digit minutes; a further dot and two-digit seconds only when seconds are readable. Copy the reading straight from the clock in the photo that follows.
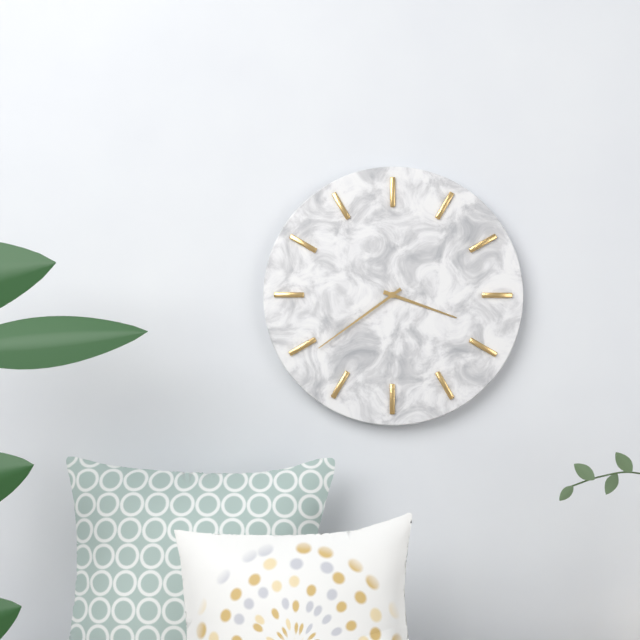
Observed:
3.39
